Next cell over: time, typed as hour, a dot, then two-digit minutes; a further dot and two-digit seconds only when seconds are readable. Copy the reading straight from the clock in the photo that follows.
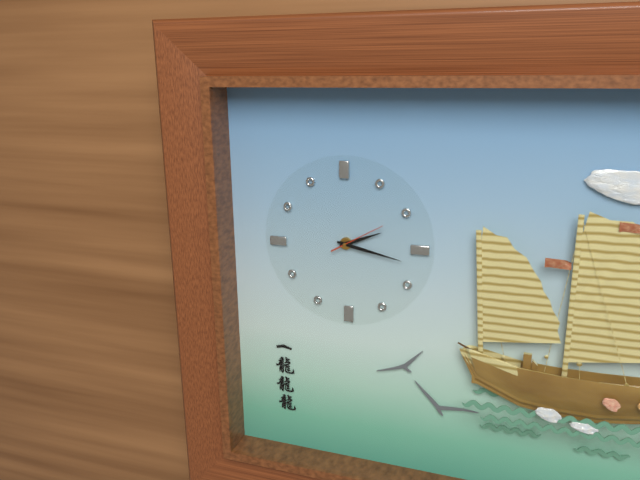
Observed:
2.17.10
